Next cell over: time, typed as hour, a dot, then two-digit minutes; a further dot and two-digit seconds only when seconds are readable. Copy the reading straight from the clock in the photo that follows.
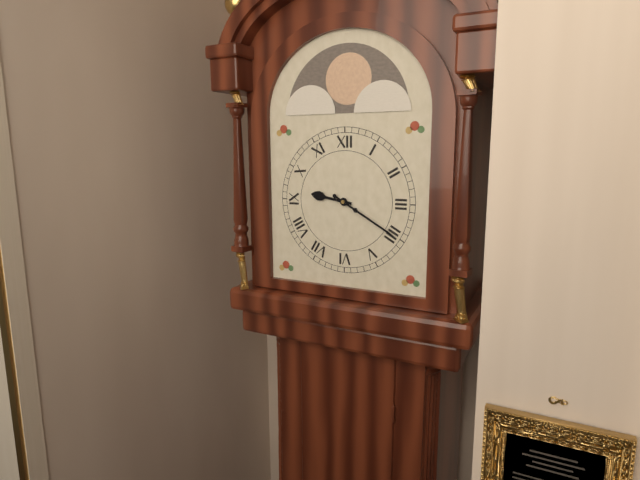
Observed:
9.20
